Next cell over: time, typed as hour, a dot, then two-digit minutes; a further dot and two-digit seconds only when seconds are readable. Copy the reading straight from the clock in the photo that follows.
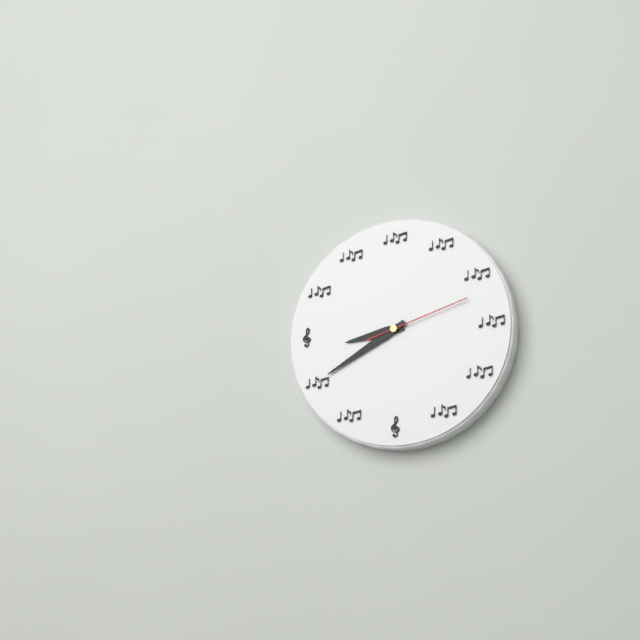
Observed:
8.40.12
